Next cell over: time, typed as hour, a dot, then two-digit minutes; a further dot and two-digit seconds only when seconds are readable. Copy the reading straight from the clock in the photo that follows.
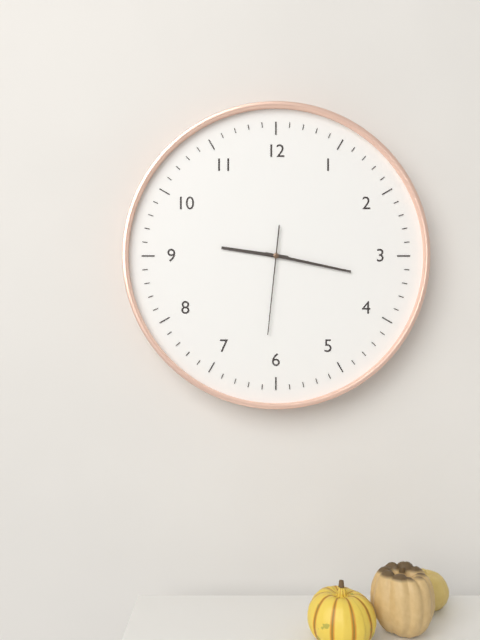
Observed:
9.17.31
